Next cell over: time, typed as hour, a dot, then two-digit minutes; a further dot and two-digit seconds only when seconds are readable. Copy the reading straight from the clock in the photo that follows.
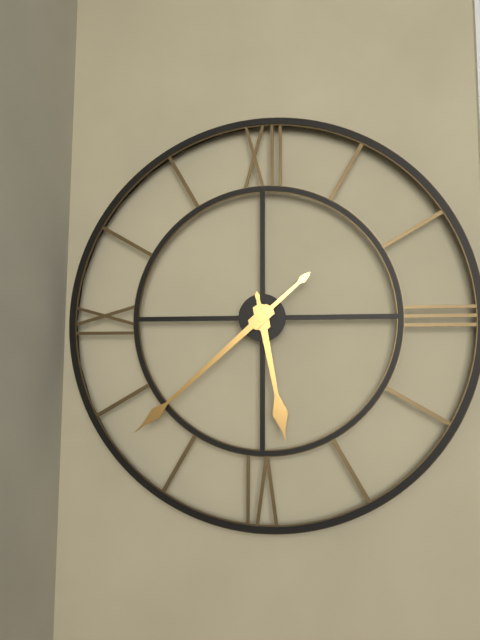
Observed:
5.38
